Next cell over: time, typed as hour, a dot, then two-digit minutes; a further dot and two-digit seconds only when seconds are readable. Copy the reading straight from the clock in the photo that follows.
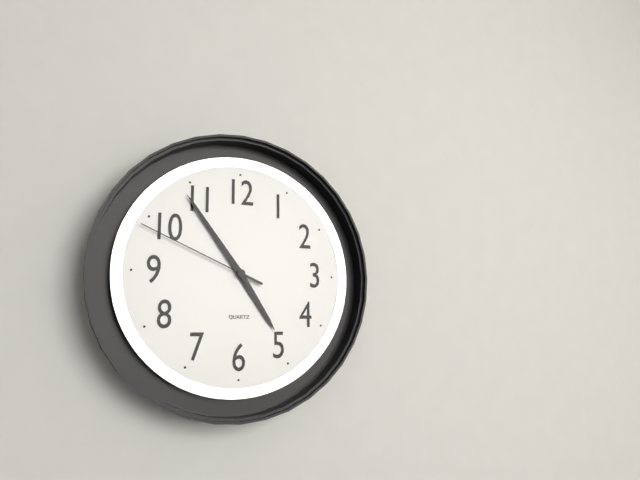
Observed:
4.54.49
